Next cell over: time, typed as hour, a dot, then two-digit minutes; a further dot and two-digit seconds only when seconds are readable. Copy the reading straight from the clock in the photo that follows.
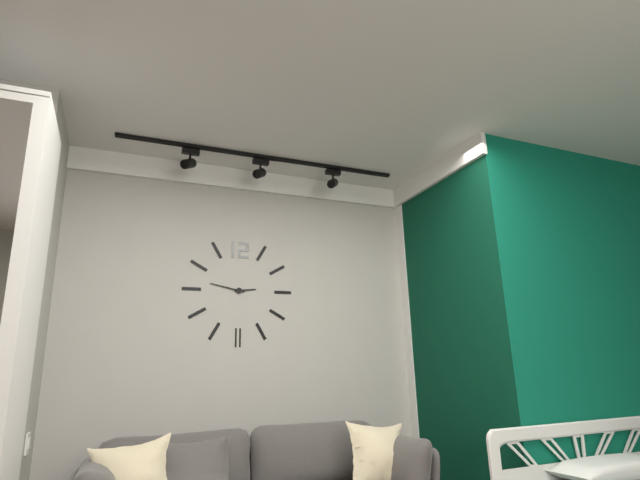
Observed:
2.47
